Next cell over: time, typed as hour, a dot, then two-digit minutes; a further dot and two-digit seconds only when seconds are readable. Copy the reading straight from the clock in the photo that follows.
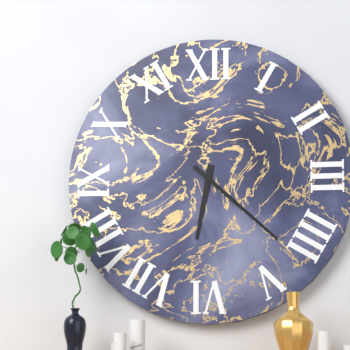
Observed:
6.22
